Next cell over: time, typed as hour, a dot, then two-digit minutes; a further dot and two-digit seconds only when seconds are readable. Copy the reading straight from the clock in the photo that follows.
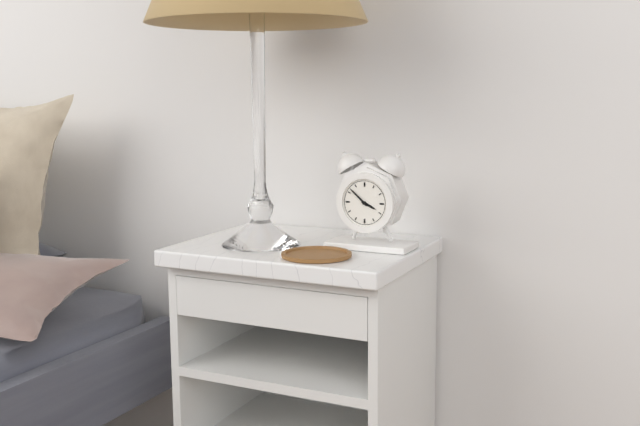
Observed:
3.52
